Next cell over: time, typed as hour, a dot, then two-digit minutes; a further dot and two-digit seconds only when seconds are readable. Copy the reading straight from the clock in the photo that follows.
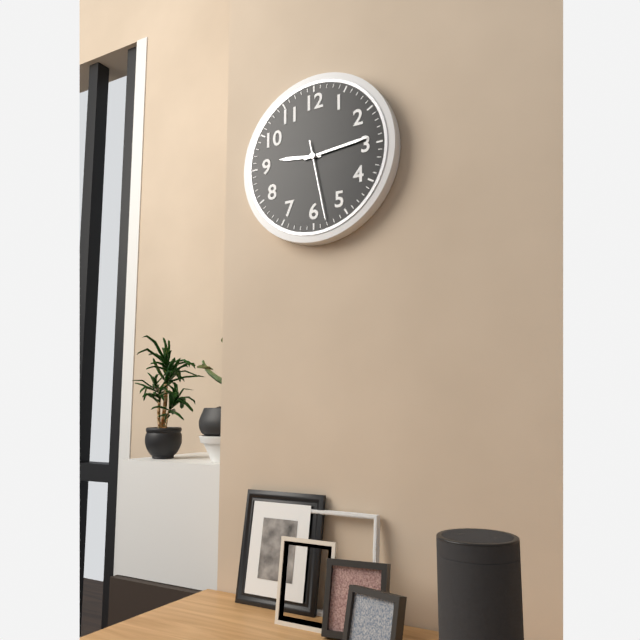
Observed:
9.14.28
